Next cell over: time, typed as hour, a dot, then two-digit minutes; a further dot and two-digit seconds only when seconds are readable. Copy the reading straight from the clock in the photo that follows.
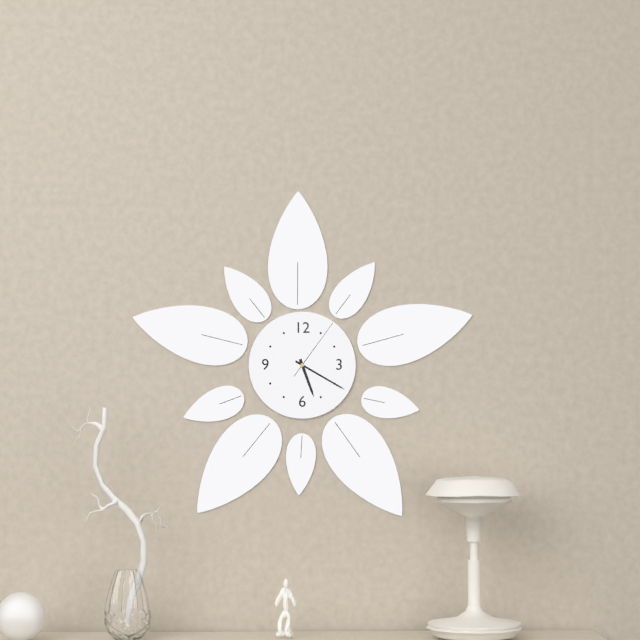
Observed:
5.20.06
